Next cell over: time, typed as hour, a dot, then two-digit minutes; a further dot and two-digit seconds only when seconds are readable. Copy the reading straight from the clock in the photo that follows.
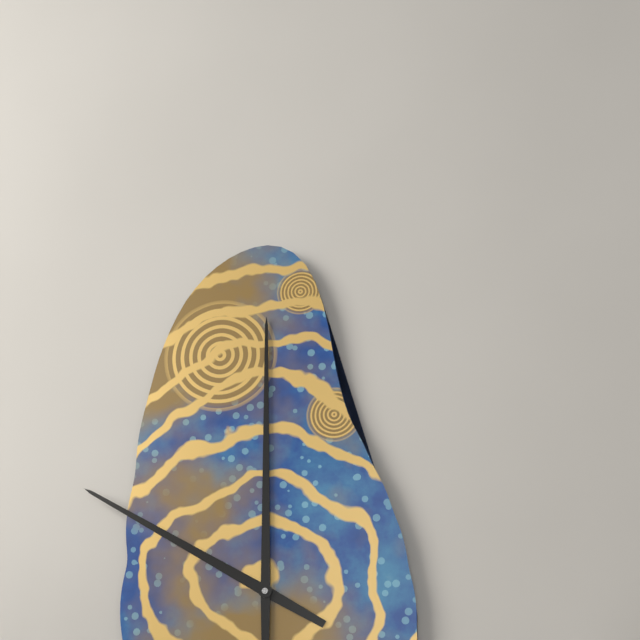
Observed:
10.00
